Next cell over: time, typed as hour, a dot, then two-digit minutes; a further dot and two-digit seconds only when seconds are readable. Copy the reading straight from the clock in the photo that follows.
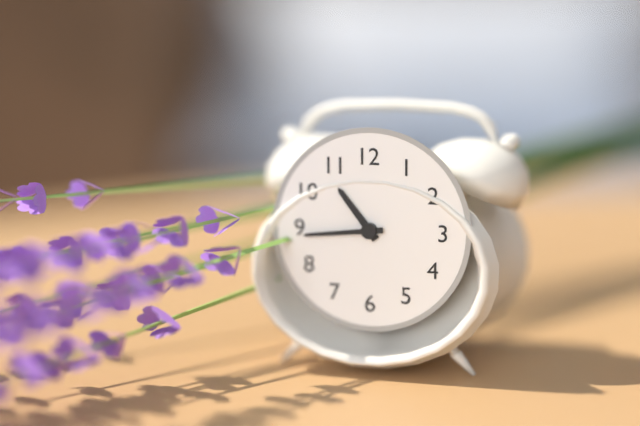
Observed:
10.44
